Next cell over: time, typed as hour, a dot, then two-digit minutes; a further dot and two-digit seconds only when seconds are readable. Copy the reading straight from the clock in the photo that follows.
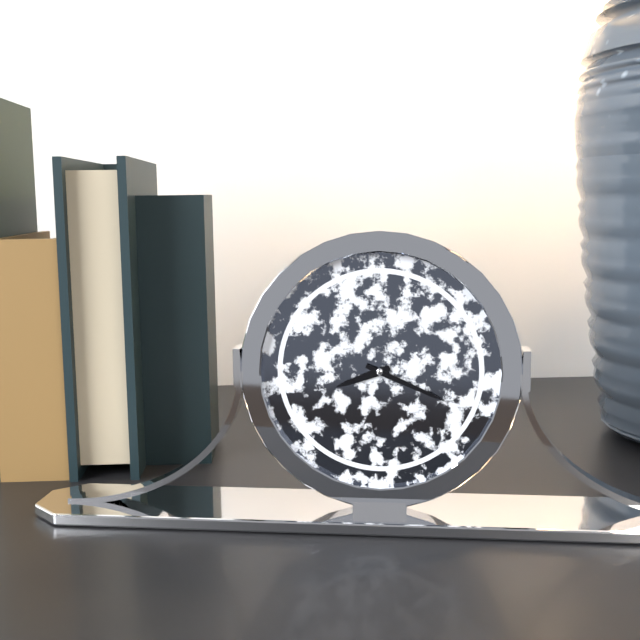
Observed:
8.19
